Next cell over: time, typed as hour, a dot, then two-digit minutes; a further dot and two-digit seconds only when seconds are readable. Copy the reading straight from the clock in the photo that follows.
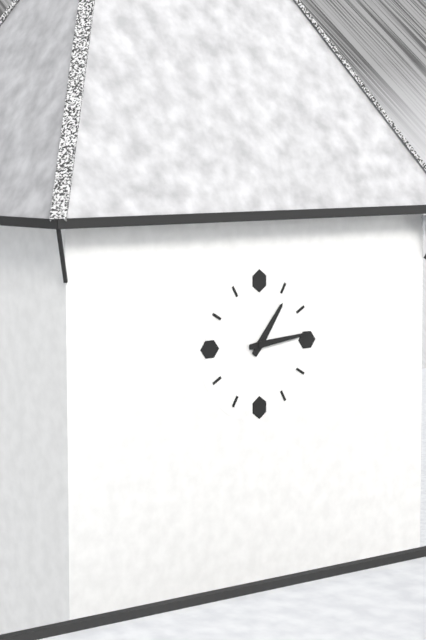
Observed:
1.14
